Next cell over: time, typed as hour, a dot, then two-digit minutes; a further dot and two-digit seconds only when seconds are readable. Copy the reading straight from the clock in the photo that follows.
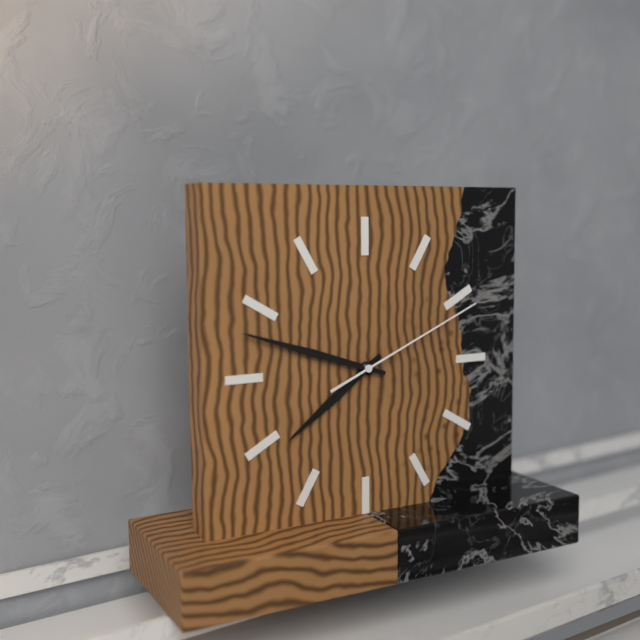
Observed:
7.48.11
